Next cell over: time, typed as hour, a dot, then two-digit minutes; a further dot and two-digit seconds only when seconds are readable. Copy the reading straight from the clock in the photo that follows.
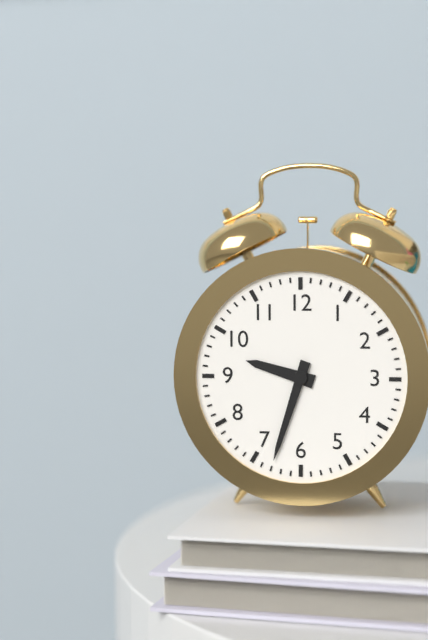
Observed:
9.33
